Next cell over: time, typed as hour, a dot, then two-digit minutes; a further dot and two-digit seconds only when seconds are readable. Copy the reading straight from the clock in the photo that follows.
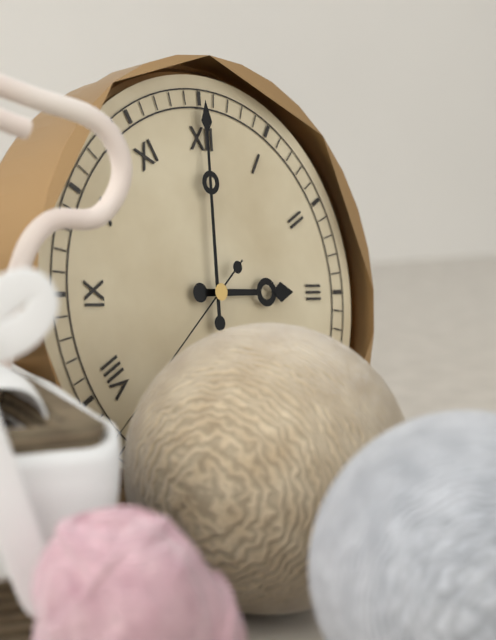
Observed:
3.00
